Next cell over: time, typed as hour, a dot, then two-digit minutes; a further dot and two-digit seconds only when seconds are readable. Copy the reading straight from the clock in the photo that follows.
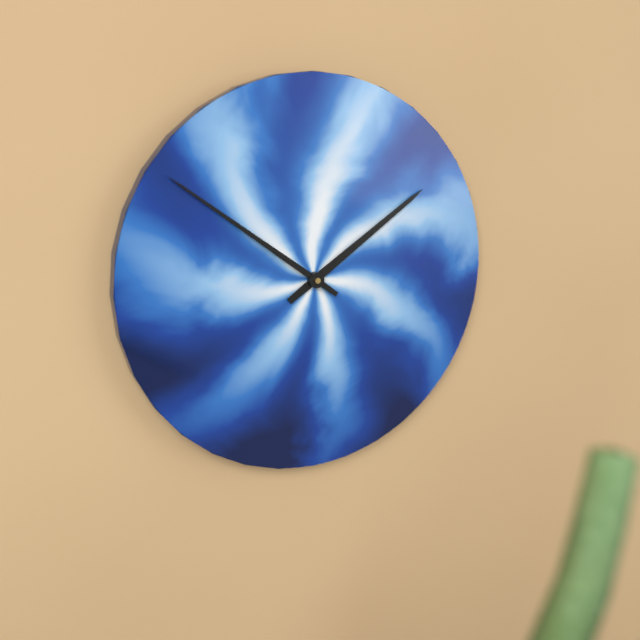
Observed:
1.51
